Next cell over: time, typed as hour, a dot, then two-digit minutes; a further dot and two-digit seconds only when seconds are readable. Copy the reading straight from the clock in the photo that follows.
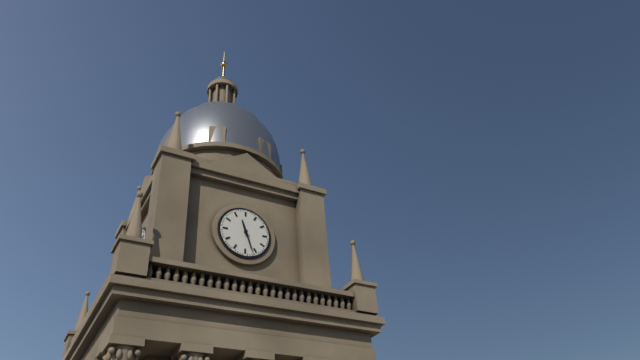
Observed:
11.27
